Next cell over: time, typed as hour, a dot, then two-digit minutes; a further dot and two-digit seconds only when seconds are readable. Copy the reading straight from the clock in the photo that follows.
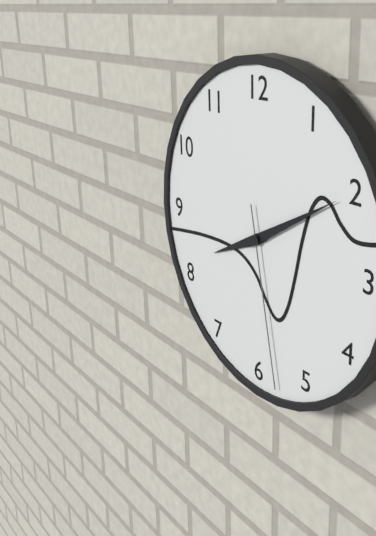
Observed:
8.10.28
